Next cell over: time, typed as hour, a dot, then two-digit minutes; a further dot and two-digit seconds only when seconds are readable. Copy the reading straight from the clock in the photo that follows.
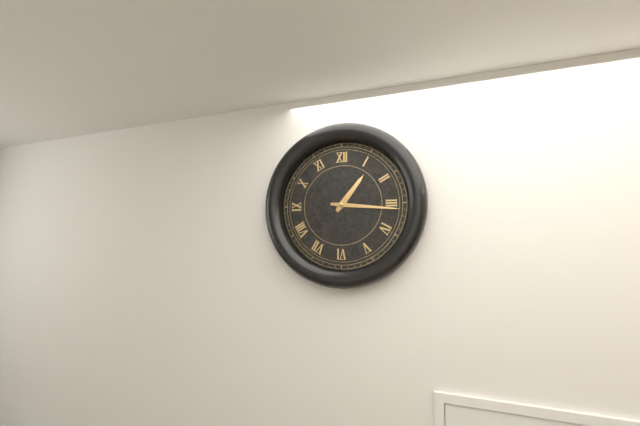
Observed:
1.16
